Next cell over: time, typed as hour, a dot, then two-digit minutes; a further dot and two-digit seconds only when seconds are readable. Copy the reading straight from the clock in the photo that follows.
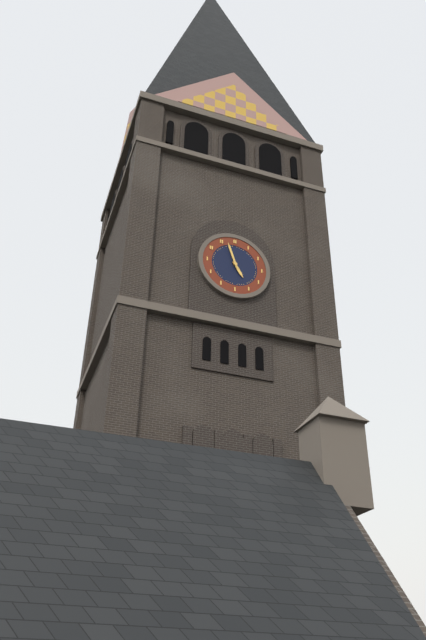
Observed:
4.57
